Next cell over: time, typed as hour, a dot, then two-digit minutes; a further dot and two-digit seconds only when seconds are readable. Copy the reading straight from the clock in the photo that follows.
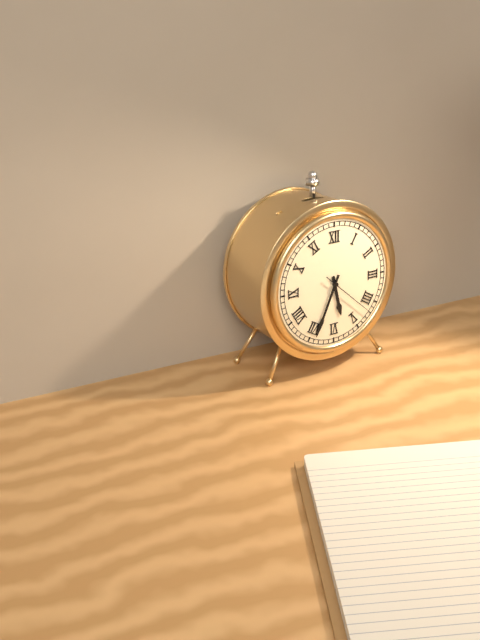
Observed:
5.34.22
